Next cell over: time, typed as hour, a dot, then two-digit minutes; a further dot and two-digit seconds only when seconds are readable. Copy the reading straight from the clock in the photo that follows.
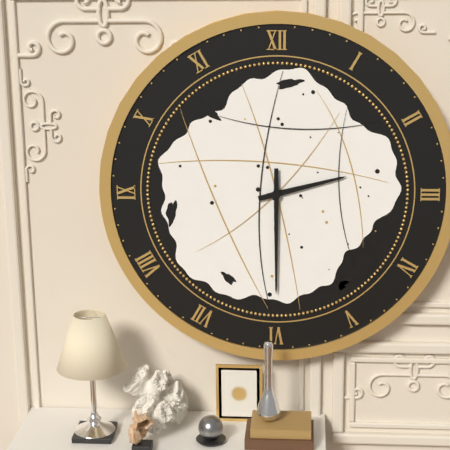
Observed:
2.30
